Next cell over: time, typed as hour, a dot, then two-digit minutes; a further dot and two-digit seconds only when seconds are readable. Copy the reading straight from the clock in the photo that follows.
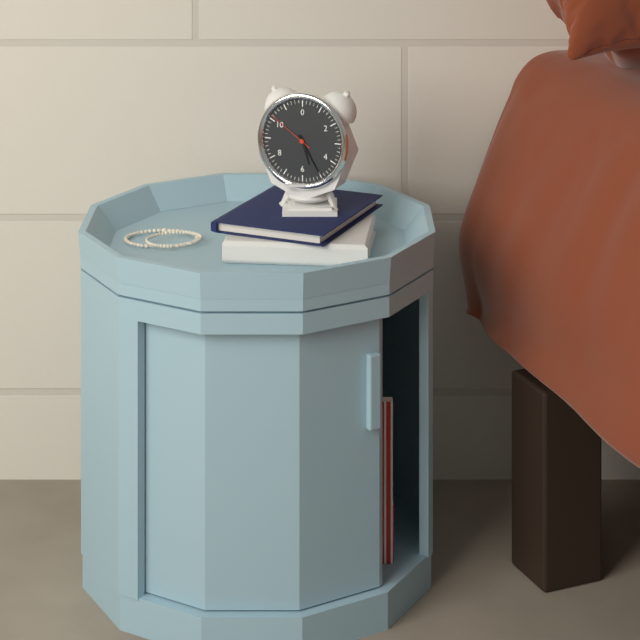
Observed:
5.25.51
